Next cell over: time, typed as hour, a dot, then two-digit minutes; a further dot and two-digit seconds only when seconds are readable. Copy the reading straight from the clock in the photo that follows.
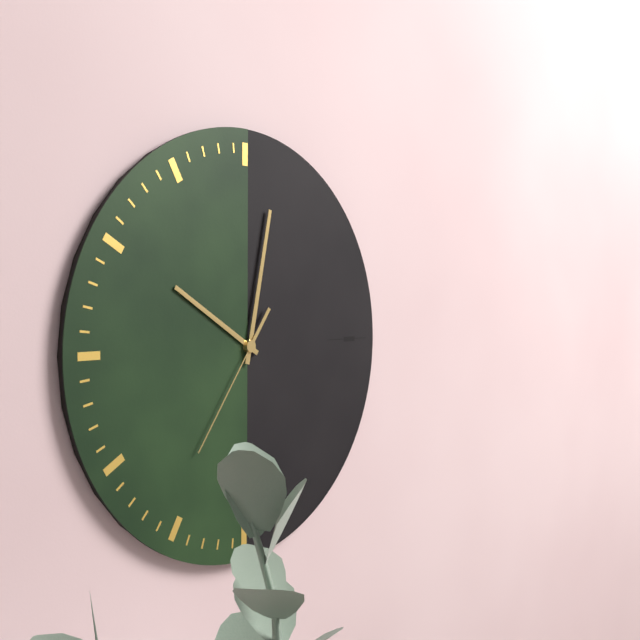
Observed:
10.02.36
